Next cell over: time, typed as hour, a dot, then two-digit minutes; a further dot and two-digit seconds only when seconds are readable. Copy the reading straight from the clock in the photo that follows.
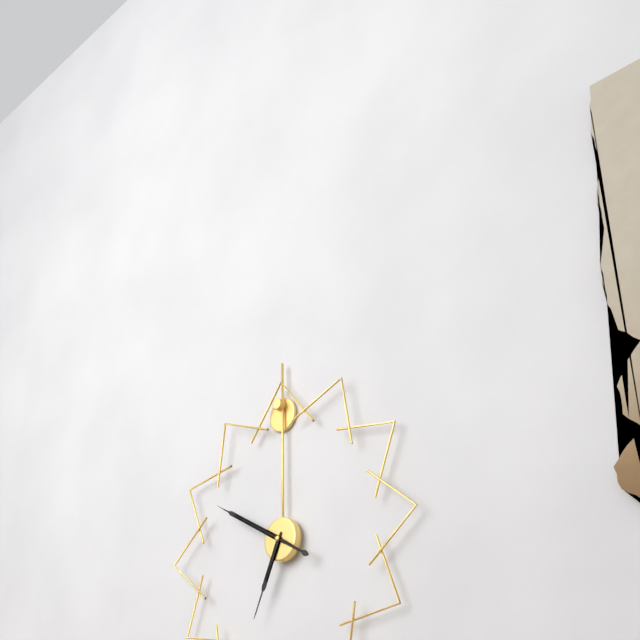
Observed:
6.50
